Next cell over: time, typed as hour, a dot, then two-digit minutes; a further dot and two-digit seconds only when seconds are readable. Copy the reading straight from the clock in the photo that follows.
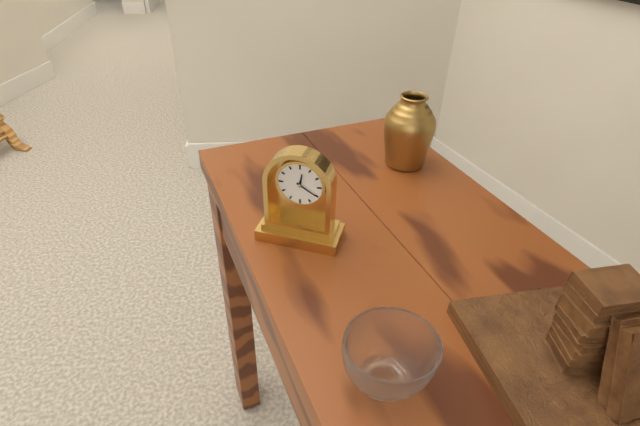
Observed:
12.20
